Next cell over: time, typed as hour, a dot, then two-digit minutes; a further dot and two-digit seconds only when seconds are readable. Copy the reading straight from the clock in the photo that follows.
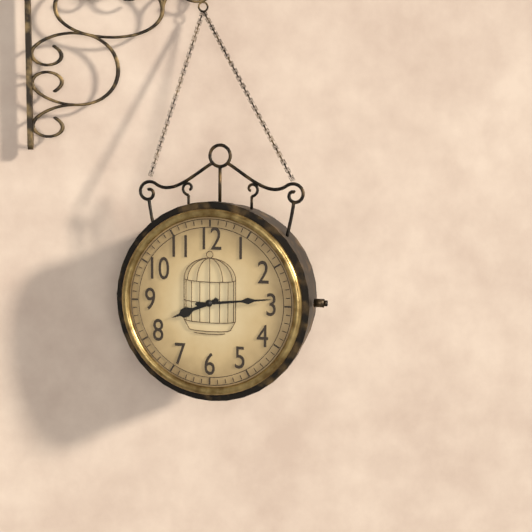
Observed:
8.14
